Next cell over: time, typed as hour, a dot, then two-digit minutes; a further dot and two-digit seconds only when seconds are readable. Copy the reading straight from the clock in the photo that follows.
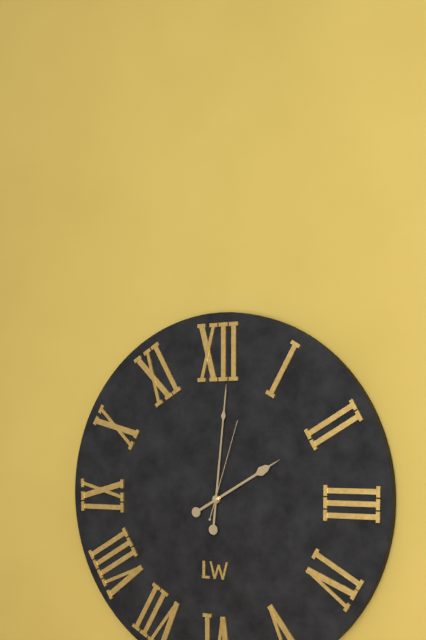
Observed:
2.01.03
